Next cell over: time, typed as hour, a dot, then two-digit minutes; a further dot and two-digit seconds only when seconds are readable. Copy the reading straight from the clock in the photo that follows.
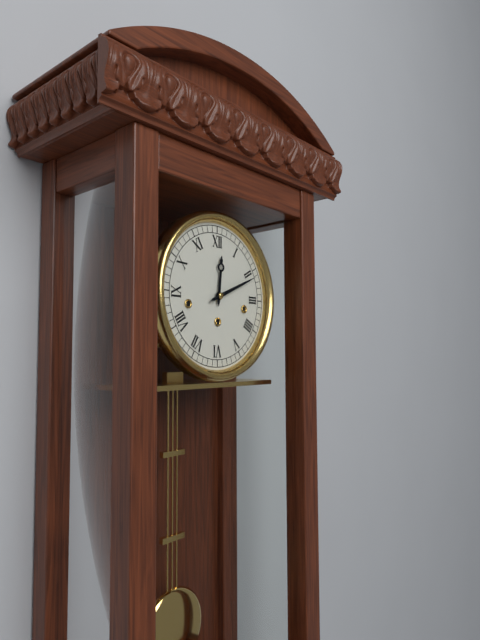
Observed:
12.11
